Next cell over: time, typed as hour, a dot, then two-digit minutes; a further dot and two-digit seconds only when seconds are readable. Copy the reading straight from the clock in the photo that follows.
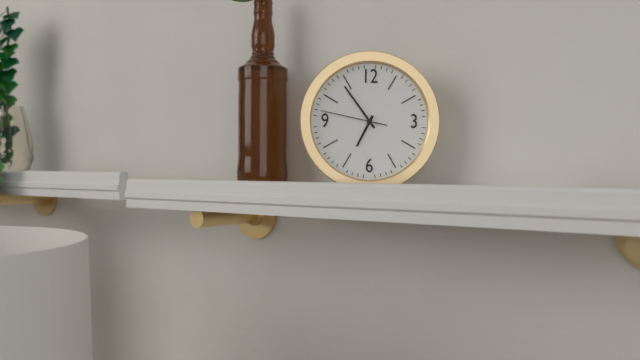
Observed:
6.54.47
